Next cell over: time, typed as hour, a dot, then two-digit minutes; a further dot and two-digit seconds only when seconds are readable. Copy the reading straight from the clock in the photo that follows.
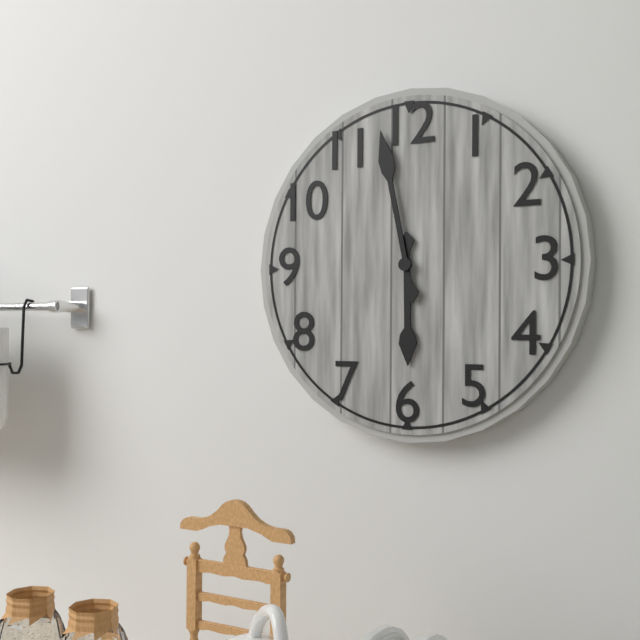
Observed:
5.58
